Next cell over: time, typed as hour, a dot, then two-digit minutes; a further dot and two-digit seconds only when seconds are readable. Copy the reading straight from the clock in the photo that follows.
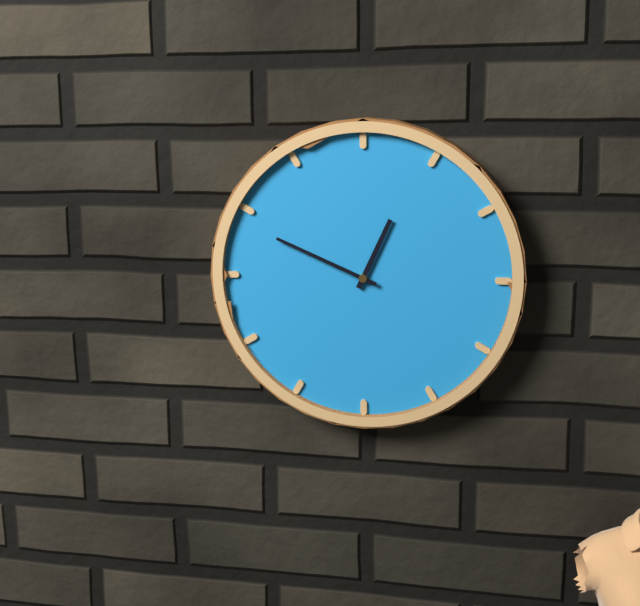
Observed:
12.49
